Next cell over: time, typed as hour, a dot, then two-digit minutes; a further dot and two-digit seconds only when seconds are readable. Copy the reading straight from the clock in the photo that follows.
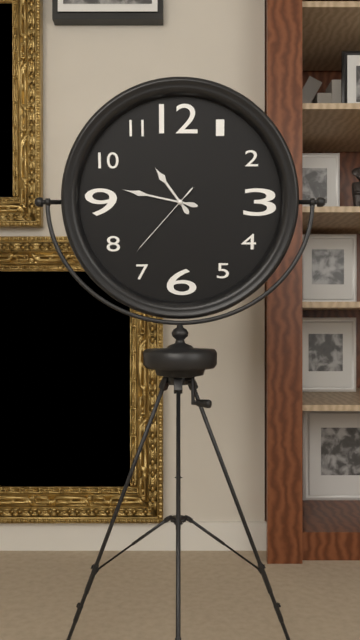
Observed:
10.47.37
